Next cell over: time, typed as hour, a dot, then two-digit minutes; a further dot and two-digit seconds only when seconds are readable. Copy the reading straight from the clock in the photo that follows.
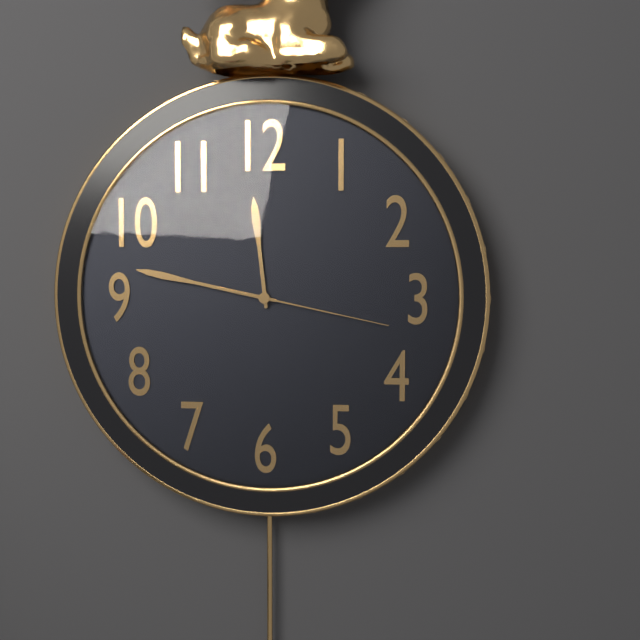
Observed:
11.47.17
